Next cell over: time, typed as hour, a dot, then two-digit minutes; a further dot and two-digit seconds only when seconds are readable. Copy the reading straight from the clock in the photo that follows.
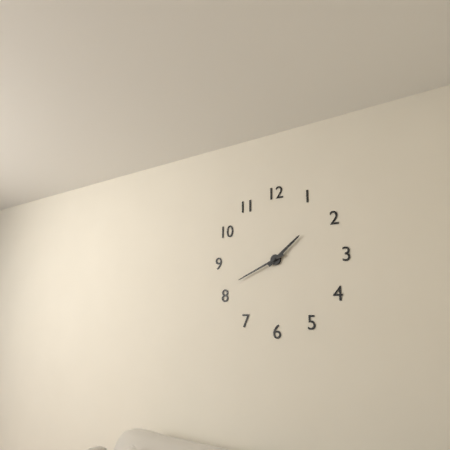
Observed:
1.41
